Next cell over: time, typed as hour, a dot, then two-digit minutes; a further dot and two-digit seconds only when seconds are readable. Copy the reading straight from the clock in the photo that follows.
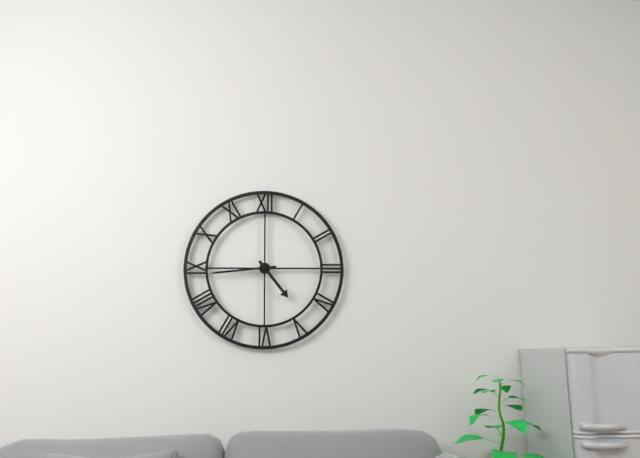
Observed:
4.44
